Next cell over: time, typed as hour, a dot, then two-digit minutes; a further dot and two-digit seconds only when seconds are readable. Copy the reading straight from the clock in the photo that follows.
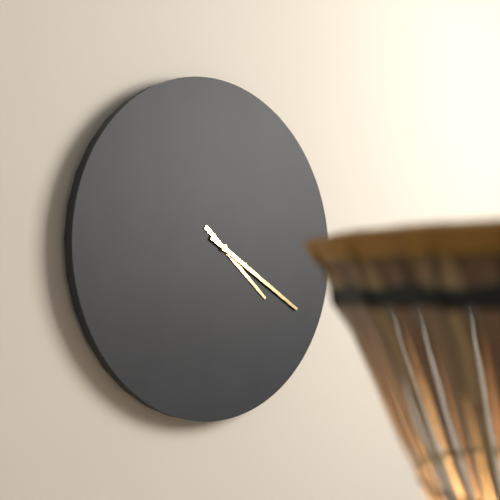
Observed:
4.20
